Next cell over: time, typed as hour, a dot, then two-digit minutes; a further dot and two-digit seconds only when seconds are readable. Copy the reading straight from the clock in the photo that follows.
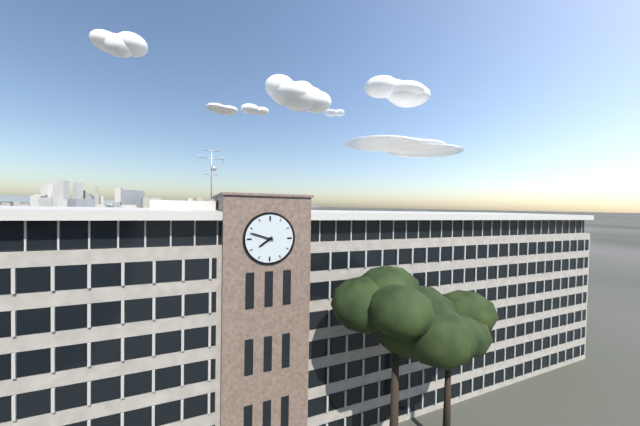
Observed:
7.48
